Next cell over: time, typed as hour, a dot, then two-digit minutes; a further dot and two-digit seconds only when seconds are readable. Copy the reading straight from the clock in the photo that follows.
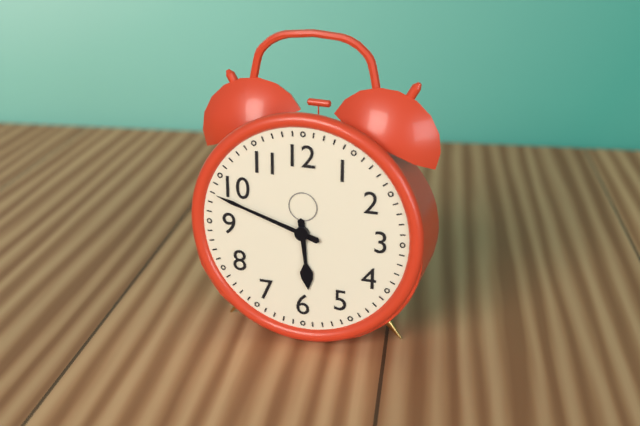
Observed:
5.48
